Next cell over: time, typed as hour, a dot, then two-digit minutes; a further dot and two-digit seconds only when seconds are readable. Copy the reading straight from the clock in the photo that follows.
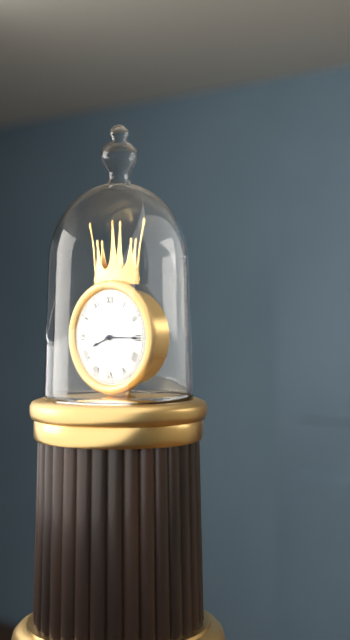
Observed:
8.15
